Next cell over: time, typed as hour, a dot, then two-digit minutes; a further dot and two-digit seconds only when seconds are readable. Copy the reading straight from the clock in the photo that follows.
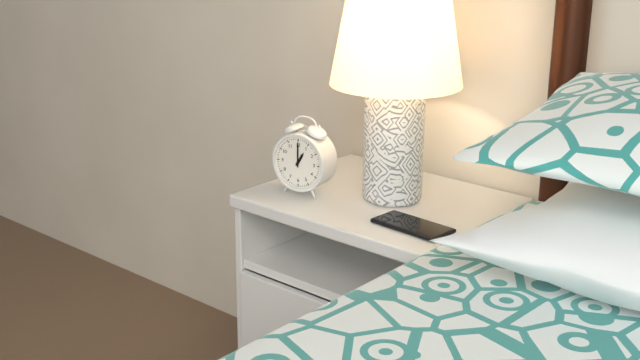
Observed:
1.00
